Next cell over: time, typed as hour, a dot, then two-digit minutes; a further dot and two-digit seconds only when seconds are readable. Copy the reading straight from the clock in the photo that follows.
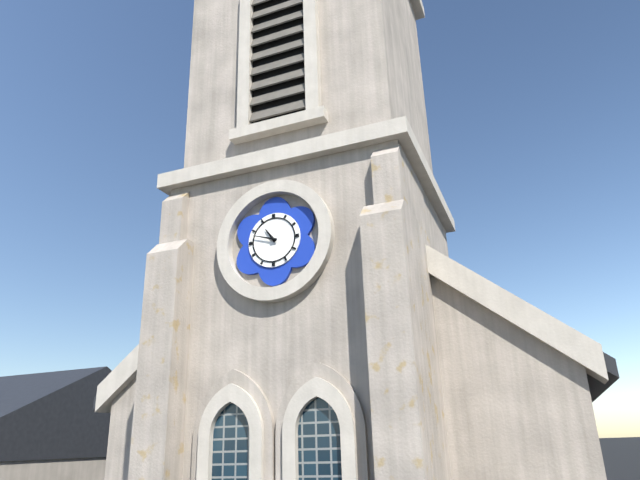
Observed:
10.48
